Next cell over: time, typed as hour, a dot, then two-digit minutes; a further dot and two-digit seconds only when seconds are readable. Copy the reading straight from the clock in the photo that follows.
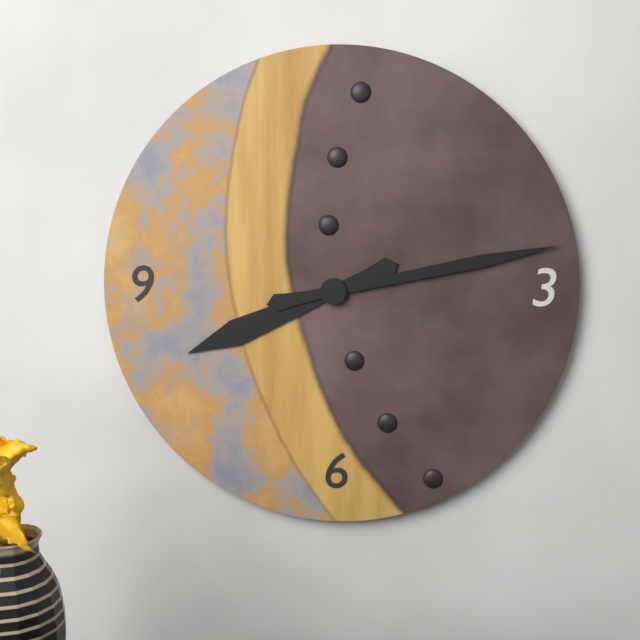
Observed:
8.13
